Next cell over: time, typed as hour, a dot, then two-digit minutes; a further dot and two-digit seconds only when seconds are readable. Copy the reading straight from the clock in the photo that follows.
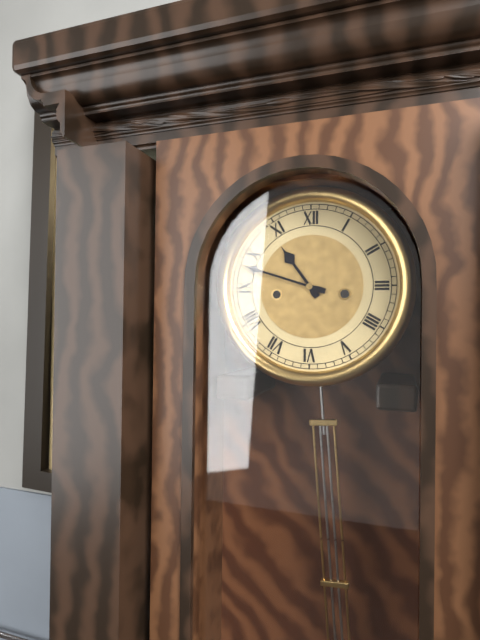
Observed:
10.48
